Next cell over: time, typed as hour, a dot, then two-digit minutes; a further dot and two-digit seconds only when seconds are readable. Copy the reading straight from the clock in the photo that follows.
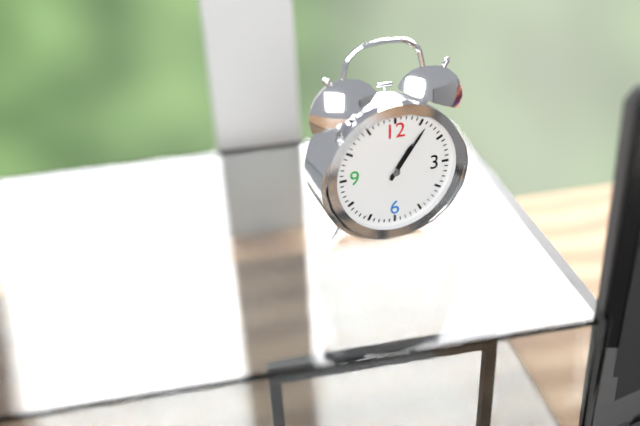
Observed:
1.06
